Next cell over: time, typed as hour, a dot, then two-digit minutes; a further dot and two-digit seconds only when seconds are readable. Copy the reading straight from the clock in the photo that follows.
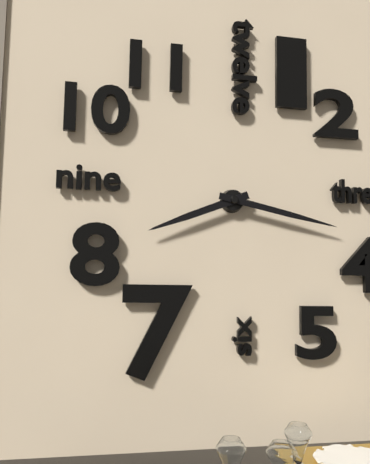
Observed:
8.17
